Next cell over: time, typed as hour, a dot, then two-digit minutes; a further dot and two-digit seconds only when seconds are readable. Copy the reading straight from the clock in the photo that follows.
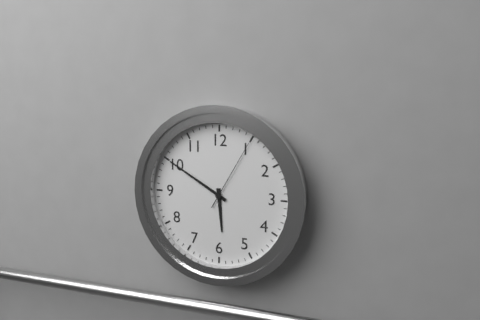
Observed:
5.50.05
